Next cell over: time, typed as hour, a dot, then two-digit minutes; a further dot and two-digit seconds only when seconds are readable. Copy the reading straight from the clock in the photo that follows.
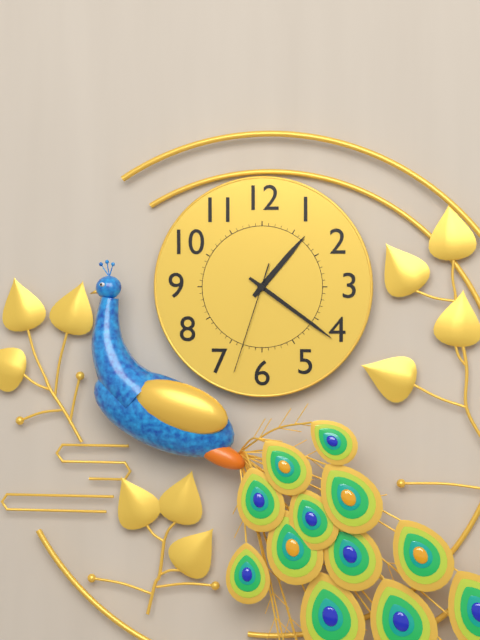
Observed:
1.21.33
